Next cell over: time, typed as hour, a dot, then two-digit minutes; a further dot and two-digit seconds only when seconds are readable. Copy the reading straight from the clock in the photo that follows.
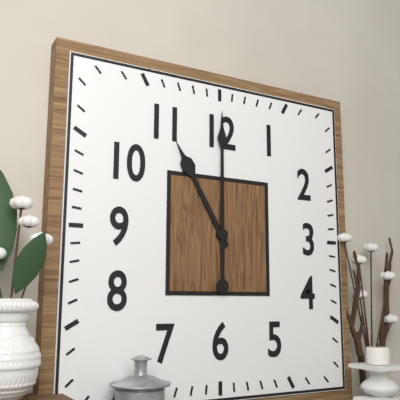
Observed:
11.00
